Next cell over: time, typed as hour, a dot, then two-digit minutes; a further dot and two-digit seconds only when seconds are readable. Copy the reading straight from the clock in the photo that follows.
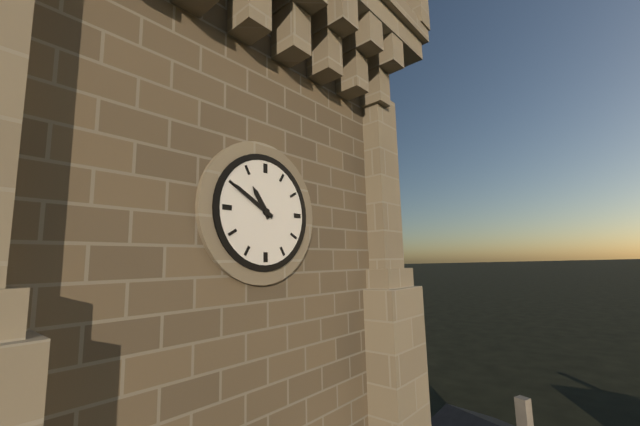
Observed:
10.50
